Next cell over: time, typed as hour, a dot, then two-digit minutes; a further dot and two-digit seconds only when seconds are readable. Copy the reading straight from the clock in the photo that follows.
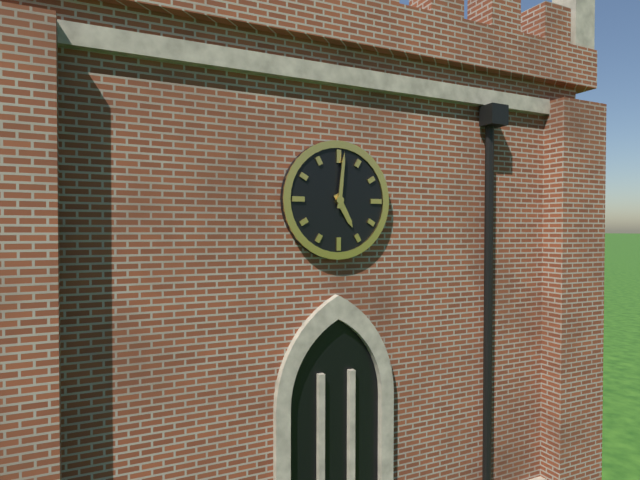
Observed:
5.01
